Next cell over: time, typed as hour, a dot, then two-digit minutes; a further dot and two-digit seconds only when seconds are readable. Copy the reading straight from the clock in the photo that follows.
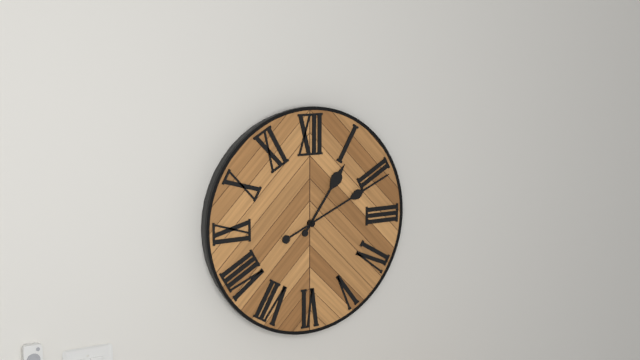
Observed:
1.11
